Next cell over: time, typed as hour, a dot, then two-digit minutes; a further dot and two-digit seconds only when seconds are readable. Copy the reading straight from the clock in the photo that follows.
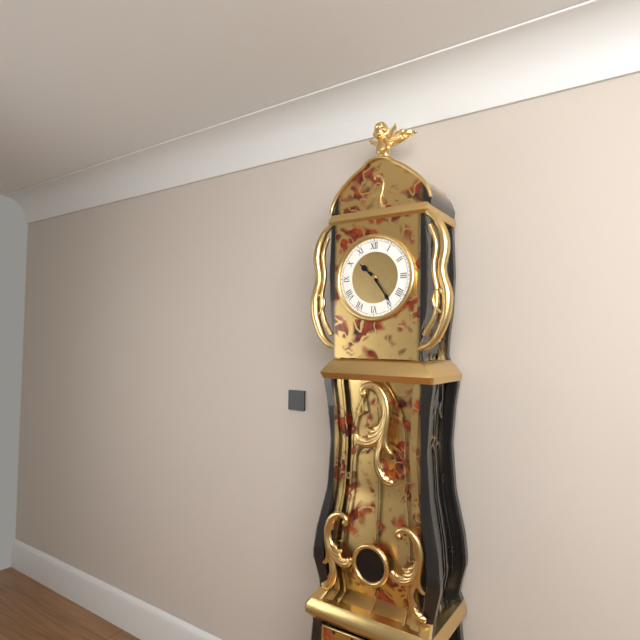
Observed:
10.24
